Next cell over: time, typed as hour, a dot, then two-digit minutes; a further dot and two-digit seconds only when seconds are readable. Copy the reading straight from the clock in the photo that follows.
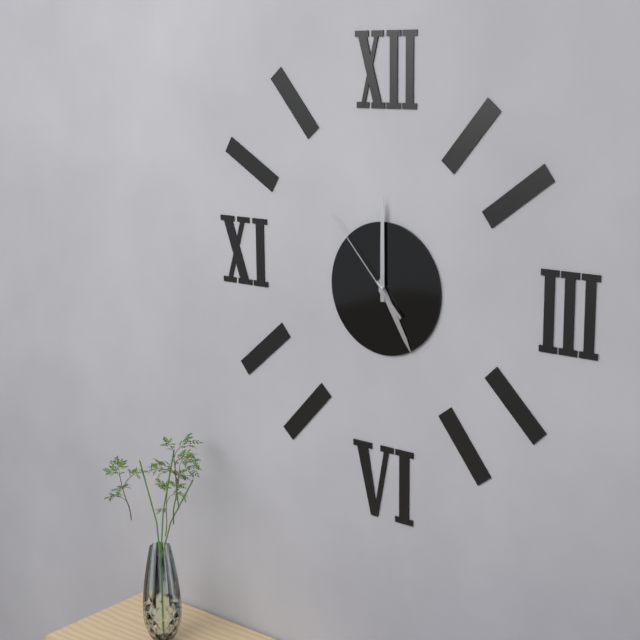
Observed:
5.00.53
